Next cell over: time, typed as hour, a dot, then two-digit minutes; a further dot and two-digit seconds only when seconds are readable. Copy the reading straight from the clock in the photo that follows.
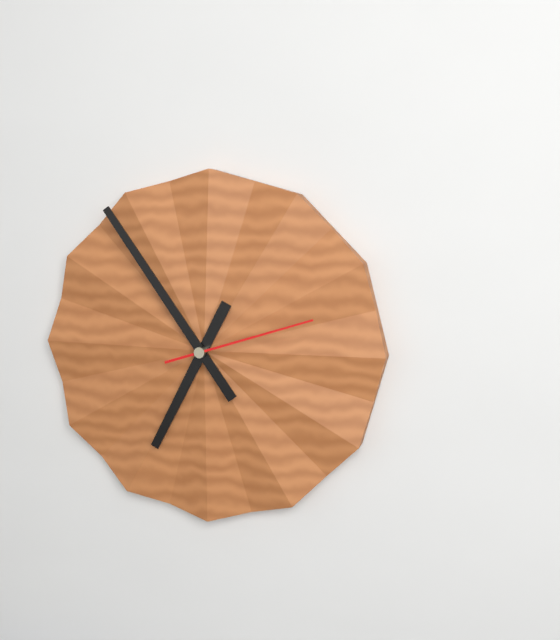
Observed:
6.54.12
